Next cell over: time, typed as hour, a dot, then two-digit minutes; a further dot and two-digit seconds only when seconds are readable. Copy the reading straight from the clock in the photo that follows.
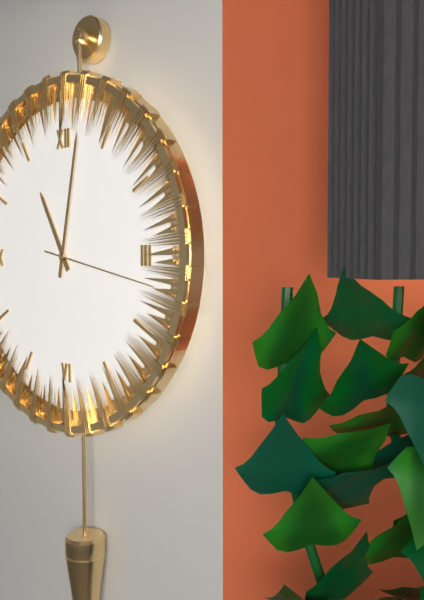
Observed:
11.02.17
